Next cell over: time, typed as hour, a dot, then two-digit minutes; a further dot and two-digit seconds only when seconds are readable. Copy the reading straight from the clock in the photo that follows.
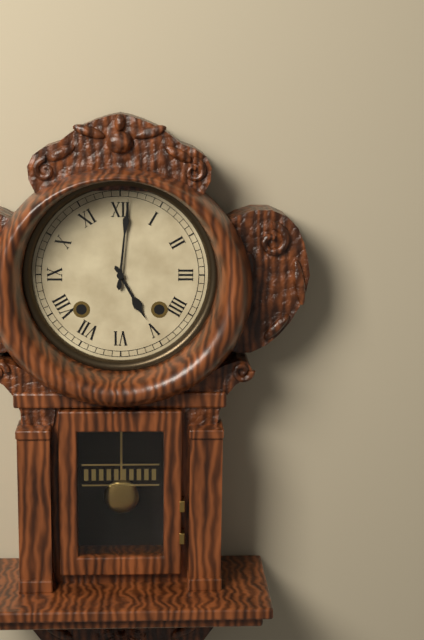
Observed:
5.01
